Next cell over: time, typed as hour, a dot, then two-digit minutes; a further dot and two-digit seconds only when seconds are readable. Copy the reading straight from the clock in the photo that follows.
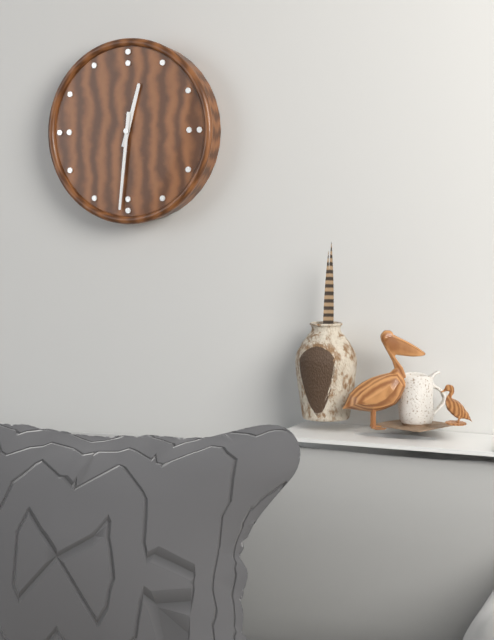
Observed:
12.31
